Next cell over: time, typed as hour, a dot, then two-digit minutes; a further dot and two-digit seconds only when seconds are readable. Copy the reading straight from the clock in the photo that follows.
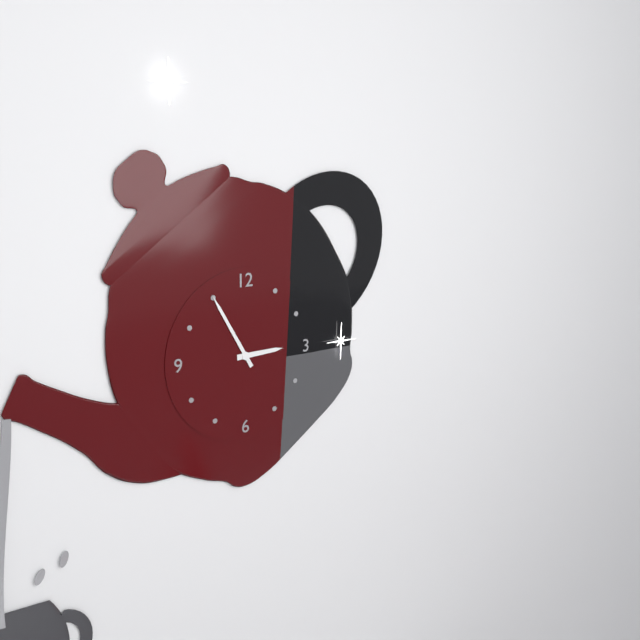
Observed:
2.55
